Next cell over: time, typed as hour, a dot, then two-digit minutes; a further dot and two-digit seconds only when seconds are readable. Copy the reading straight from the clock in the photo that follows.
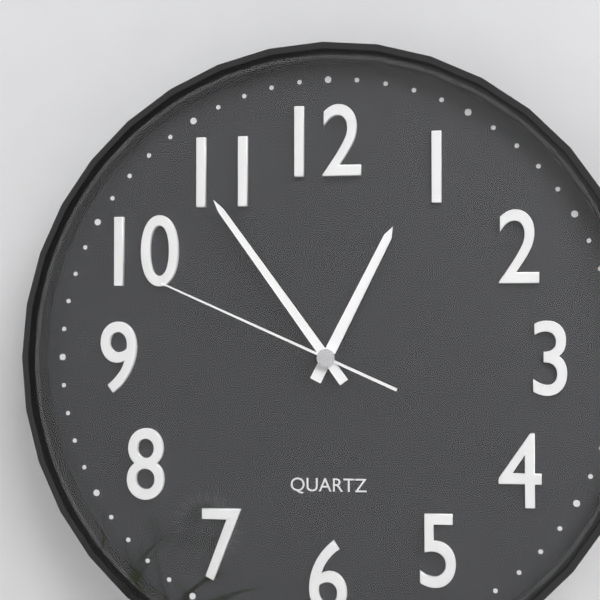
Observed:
12.54.49
